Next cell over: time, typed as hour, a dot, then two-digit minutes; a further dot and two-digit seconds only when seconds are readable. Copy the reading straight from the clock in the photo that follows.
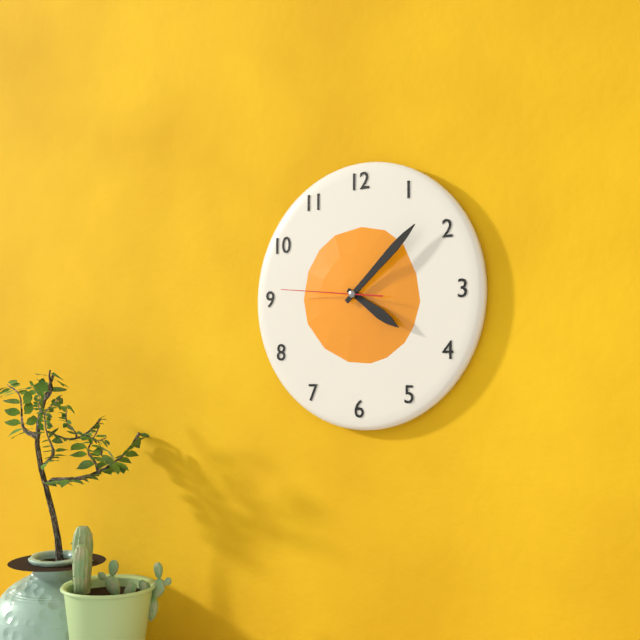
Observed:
4.08.46
